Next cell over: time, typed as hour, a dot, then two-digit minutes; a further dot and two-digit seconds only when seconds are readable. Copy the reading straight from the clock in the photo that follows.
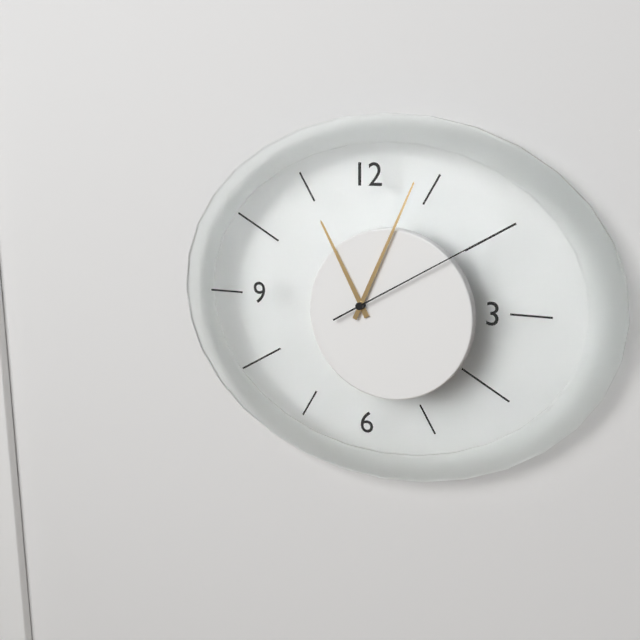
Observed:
11.04.10
